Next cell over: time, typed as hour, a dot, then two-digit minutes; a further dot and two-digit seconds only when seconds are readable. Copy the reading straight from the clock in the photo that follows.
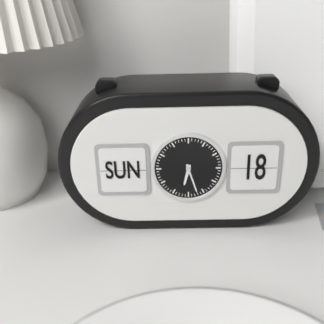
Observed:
6.27
